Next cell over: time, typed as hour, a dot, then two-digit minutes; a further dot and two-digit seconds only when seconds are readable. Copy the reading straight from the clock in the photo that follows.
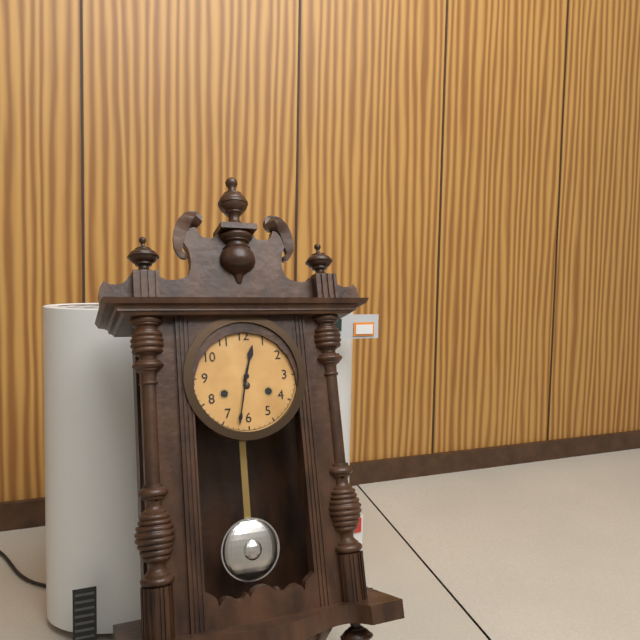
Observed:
12.32
